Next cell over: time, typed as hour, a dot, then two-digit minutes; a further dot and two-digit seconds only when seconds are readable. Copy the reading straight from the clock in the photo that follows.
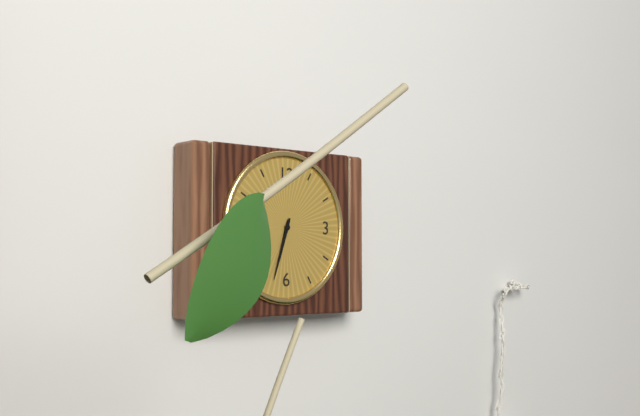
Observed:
6.33
